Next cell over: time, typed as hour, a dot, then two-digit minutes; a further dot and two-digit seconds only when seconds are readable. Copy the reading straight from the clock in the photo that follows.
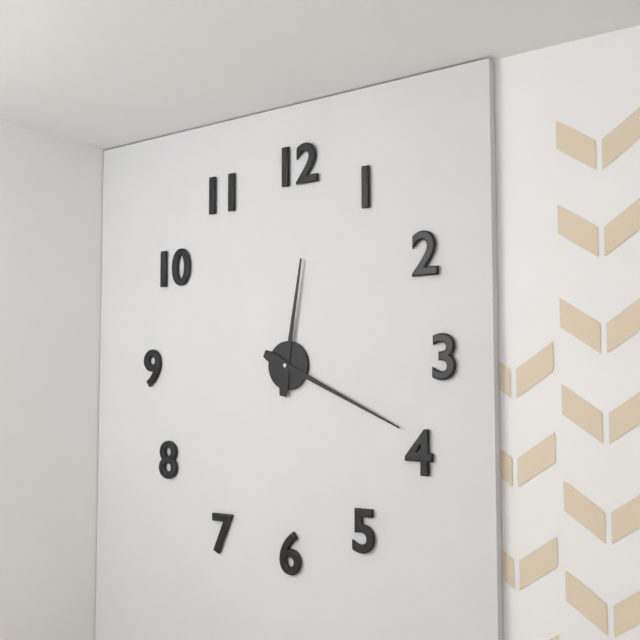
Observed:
12.19
